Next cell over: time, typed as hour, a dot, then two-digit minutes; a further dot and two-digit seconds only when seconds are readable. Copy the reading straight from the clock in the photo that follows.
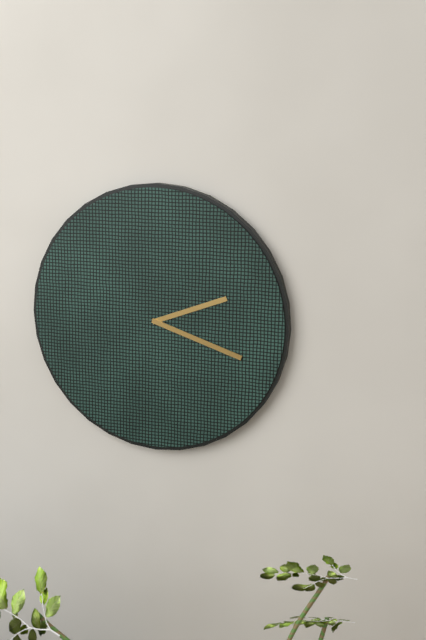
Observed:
2.18
